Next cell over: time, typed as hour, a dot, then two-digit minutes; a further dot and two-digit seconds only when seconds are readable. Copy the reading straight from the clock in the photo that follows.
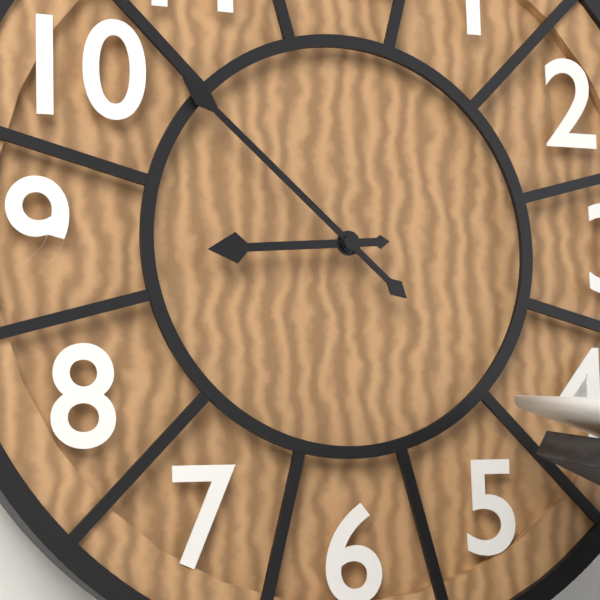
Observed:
8.52
